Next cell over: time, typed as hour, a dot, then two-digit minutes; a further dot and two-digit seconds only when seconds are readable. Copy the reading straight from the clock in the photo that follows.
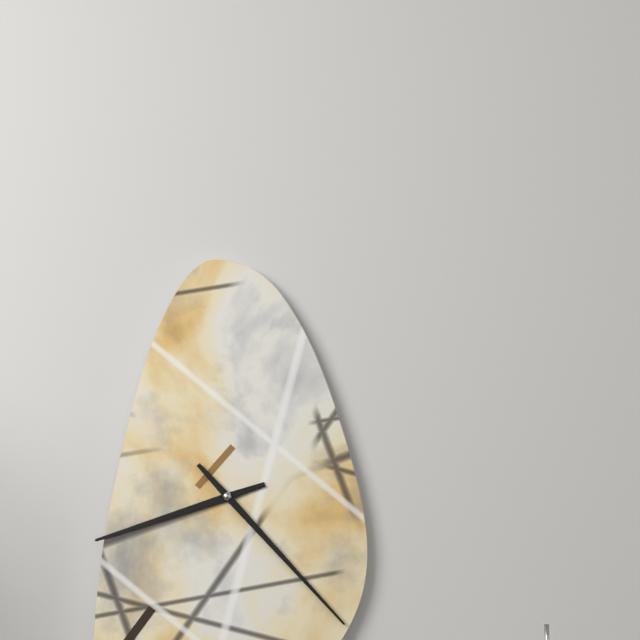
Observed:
8.23
